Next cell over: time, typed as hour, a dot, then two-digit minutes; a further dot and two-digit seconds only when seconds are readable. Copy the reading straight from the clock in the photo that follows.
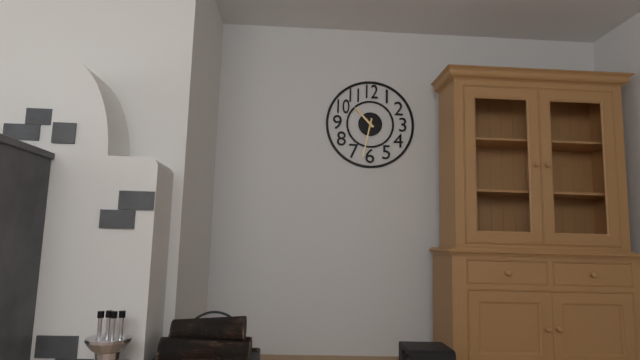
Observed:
10.32
